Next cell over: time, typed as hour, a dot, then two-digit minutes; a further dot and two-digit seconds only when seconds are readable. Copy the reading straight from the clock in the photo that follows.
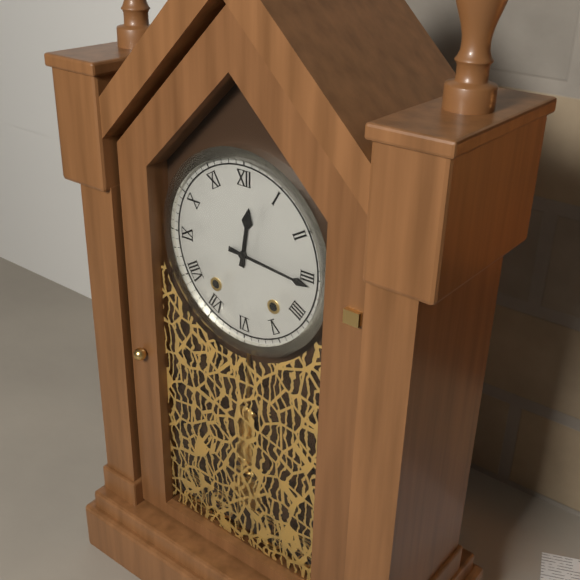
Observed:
12.16
